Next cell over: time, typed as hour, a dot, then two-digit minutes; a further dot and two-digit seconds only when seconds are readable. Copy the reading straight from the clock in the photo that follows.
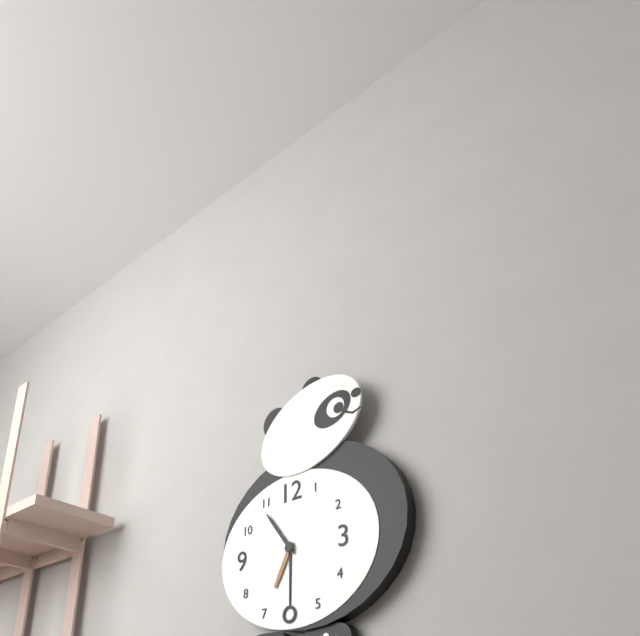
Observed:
6.54
